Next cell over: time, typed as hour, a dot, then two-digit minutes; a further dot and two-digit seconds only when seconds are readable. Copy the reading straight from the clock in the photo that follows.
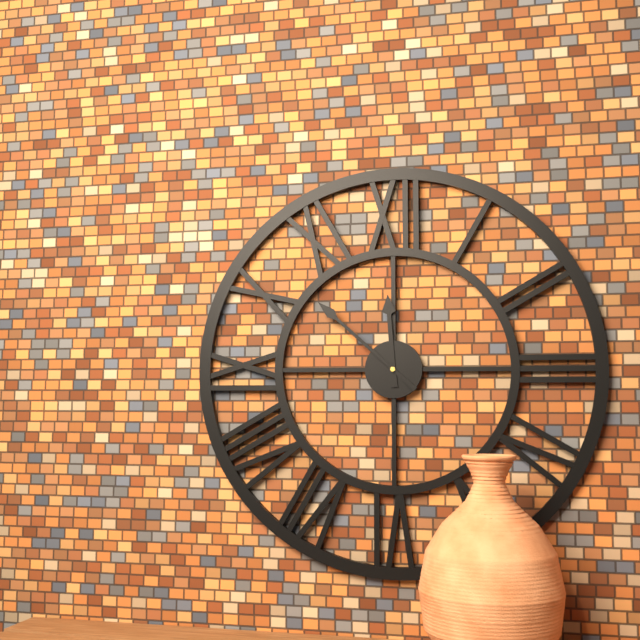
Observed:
11.52
